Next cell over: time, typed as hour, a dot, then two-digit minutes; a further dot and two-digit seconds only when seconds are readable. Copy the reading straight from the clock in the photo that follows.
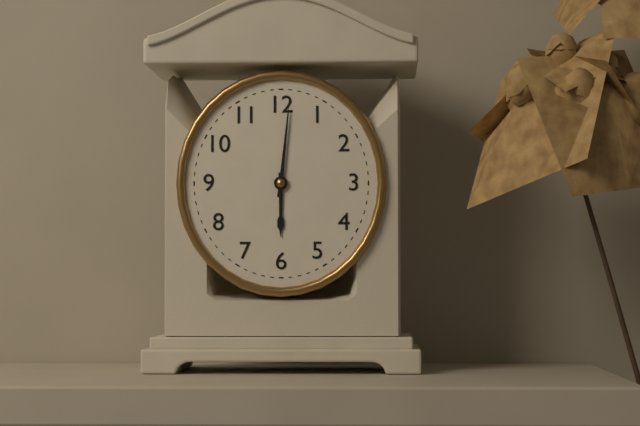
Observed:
6.01
